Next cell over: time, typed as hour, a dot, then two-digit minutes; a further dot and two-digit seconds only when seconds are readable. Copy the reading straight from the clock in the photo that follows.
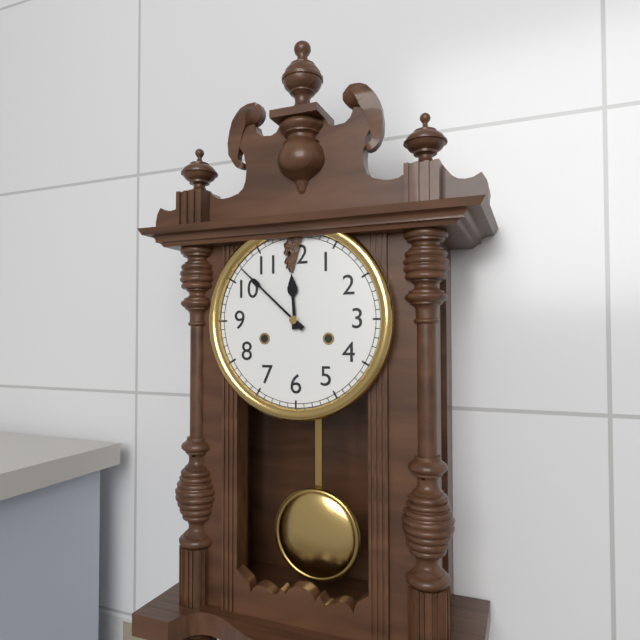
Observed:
11.52
